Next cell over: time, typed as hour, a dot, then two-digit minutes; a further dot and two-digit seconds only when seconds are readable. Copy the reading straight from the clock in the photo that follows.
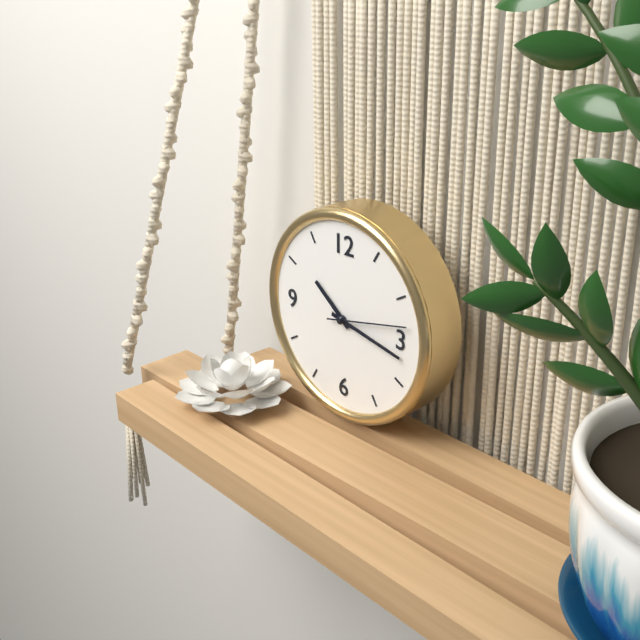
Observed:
10.17.13
